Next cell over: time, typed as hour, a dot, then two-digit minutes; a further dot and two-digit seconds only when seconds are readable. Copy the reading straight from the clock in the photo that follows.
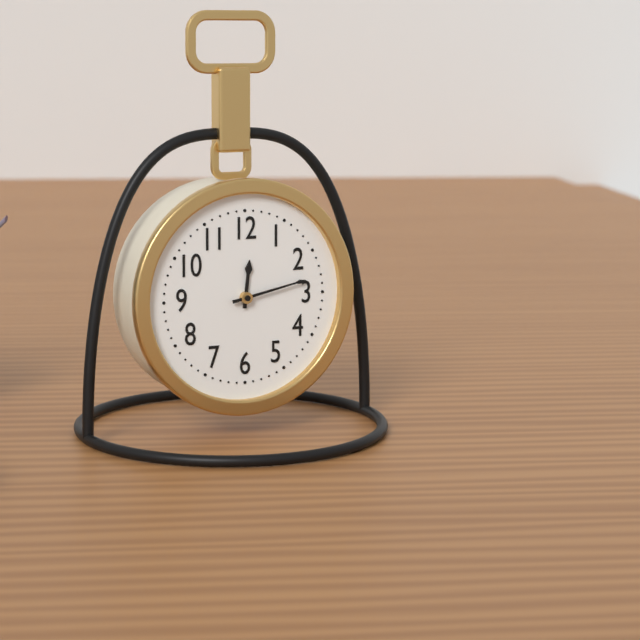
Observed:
12.13
